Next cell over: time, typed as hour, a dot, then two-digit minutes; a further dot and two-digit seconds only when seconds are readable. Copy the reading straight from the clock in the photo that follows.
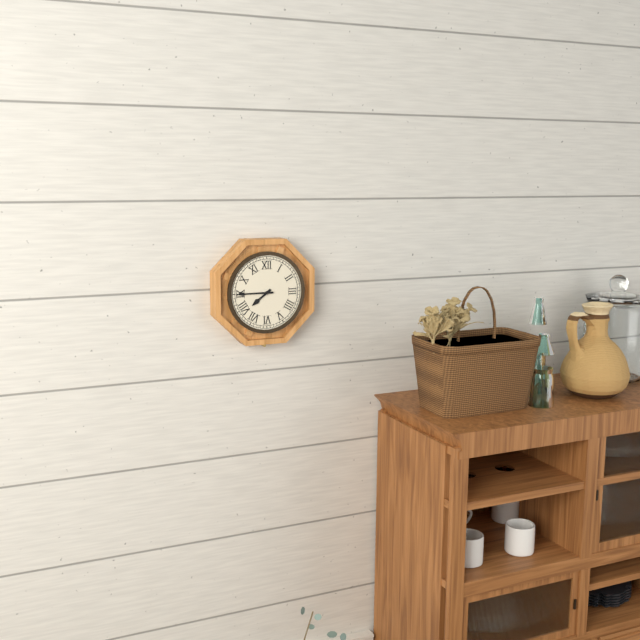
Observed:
7.45
